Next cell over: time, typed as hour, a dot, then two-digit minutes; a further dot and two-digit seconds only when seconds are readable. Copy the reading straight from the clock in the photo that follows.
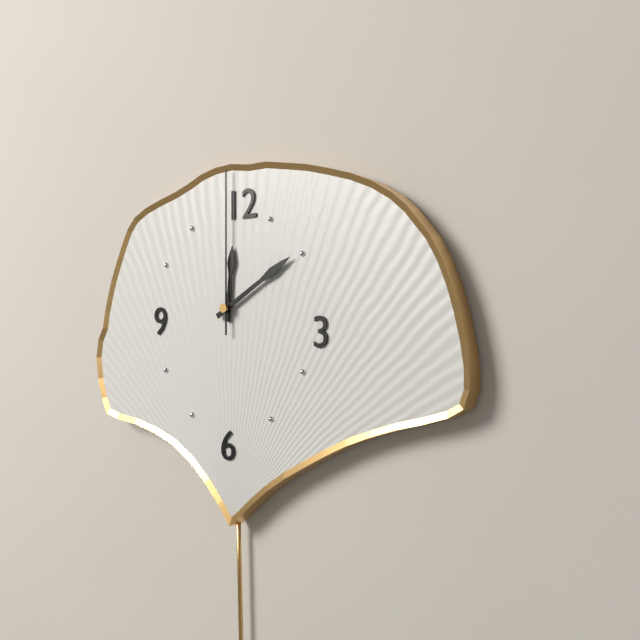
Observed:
12.10.00
